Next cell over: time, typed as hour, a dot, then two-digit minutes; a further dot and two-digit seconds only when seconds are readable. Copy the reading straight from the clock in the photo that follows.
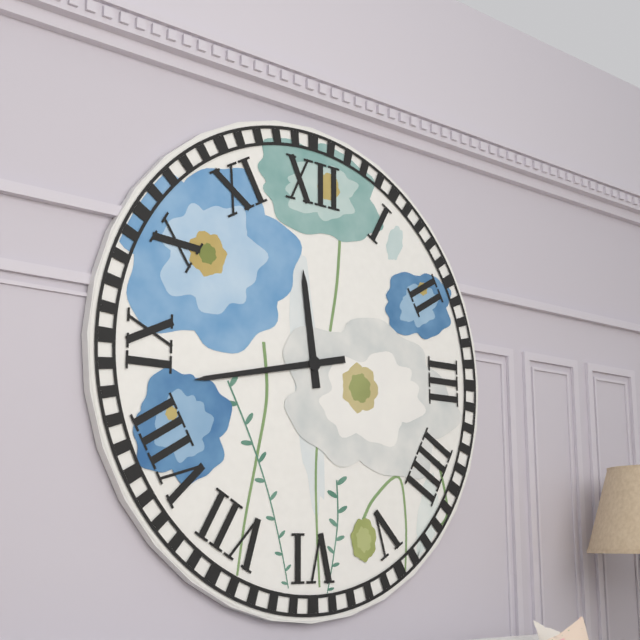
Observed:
11.43
